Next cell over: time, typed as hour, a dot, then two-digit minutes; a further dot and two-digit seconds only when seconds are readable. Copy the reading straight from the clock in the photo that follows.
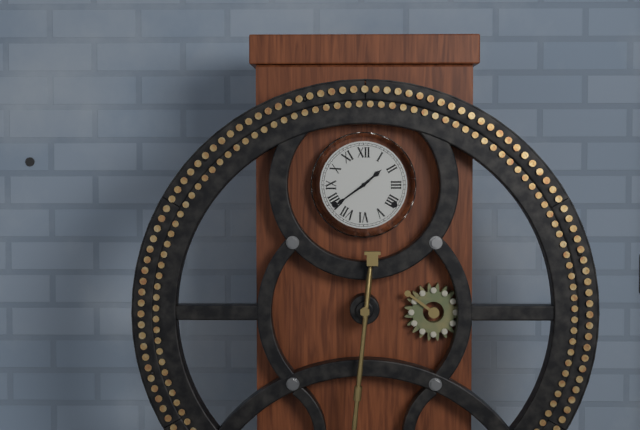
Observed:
1.39
